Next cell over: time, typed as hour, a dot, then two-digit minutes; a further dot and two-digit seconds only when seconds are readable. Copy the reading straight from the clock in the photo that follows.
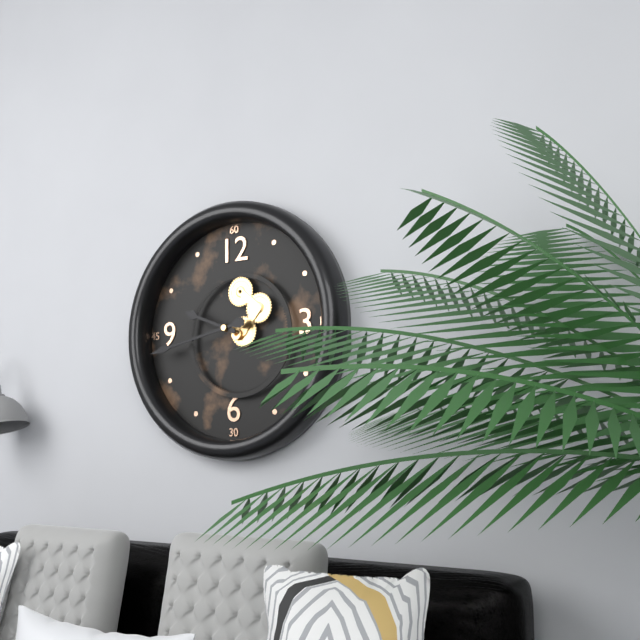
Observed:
9.43
